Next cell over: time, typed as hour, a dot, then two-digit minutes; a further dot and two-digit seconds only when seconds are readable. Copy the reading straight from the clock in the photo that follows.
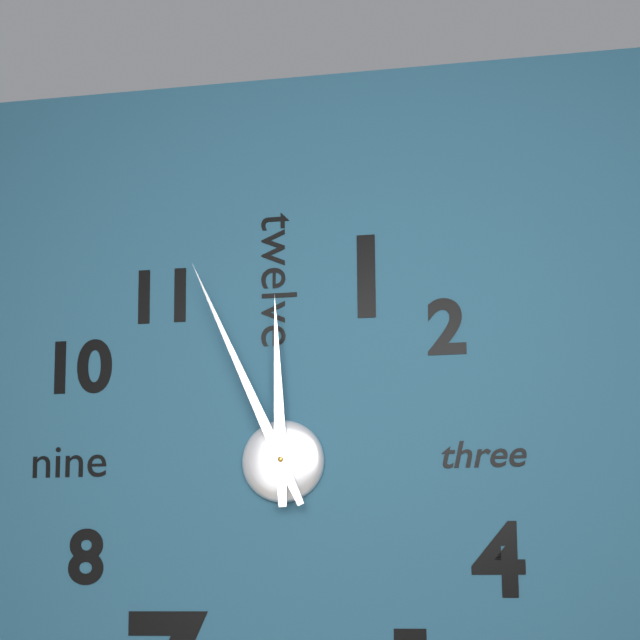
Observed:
11.56
